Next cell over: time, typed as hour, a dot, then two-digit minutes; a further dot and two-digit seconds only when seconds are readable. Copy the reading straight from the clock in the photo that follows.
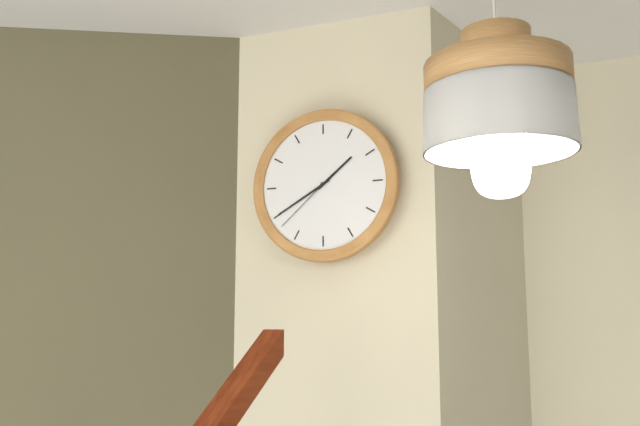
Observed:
1.40.38
